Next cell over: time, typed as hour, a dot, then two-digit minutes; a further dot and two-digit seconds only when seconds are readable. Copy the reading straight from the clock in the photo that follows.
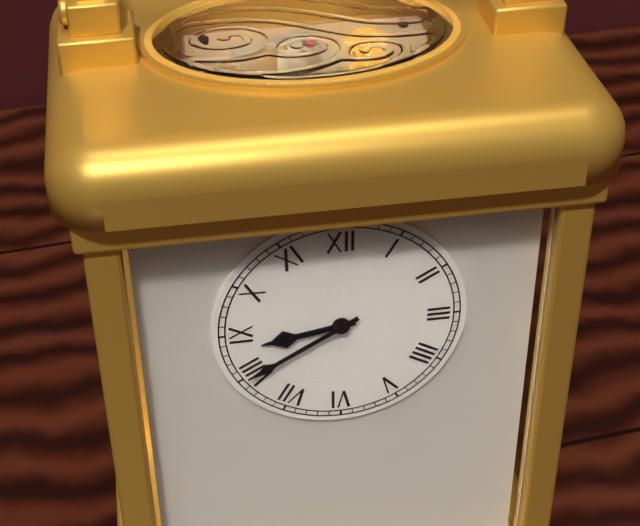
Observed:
8.40
